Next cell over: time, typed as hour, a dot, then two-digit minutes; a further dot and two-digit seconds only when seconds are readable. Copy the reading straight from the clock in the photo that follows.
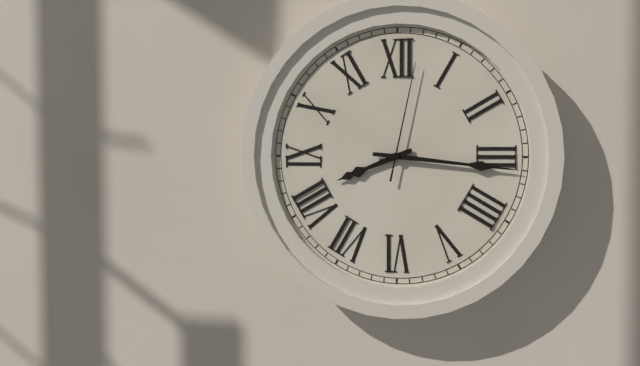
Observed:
8.16.02
